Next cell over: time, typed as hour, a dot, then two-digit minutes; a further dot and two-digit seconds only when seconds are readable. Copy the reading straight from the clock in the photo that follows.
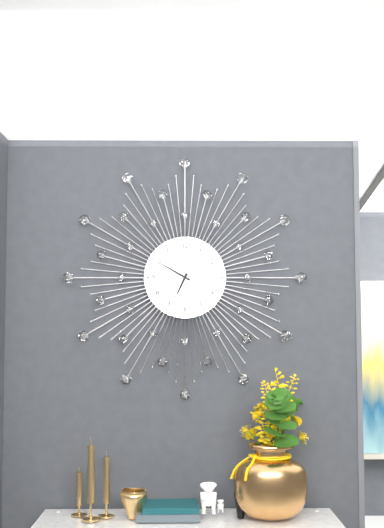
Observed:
6.50
